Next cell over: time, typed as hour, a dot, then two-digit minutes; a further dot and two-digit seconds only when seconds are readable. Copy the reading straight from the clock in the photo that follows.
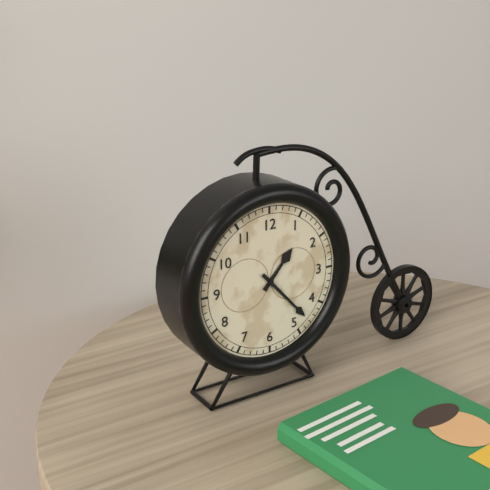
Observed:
1.23
